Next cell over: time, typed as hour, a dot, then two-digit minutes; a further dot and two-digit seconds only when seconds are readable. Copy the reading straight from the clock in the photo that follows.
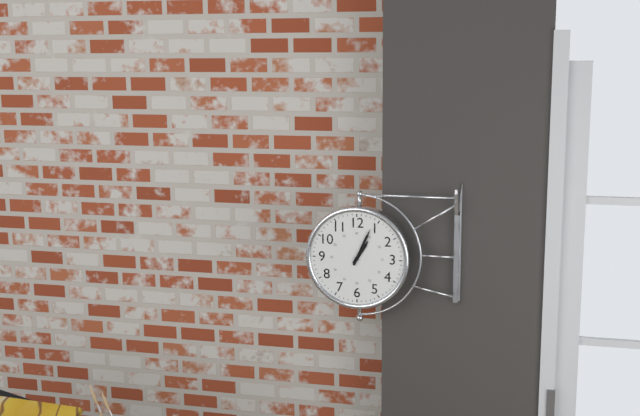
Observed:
1.04
